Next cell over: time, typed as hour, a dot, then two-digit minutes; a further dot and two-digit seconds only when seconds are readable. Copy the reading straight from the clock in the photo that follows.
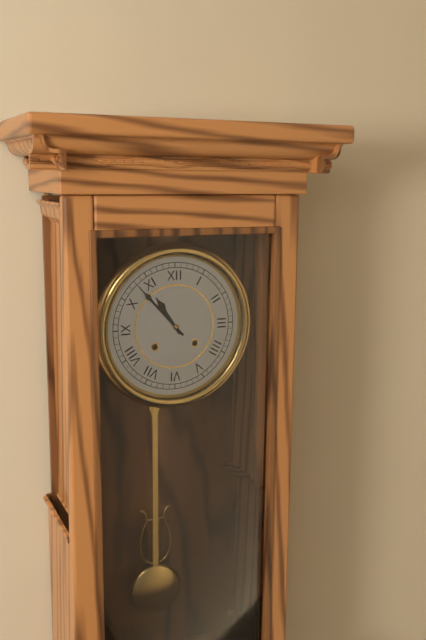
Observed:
10.53
